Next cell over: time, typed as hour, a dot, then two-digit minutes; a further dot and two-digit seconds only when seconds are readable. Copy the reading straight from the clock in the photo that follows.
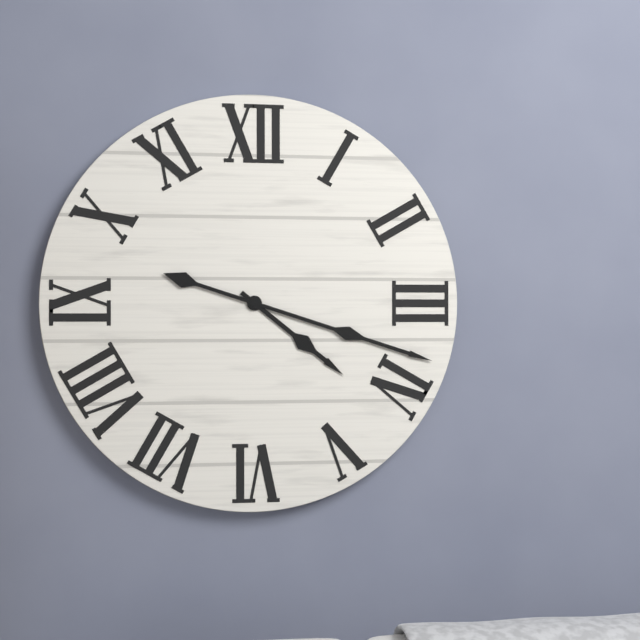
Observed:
4.18
